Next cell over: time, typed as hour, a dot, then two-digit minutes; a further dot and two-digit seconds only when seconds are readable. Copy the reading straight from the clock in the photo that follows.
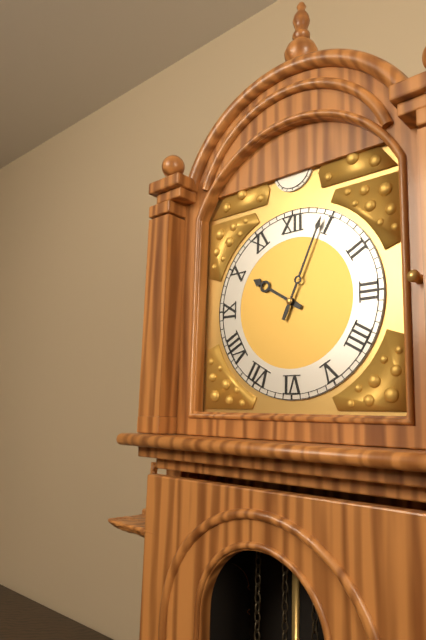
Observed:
10.04
